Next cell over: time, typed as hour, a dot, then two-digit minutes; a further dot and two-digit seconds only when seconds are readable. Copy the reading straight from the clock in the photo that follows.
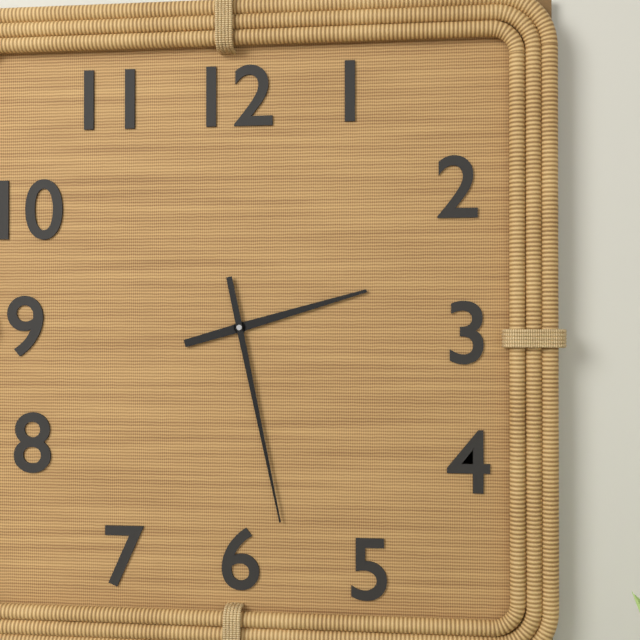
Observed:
2.28
